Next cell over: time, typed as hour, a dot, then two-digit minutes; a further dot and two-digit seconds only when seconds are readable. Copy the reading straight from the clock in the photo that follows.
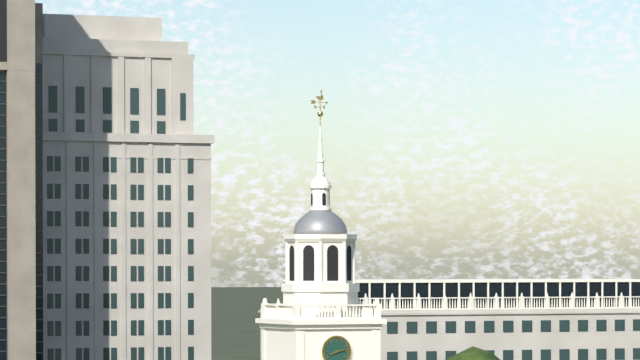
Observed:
8.13
